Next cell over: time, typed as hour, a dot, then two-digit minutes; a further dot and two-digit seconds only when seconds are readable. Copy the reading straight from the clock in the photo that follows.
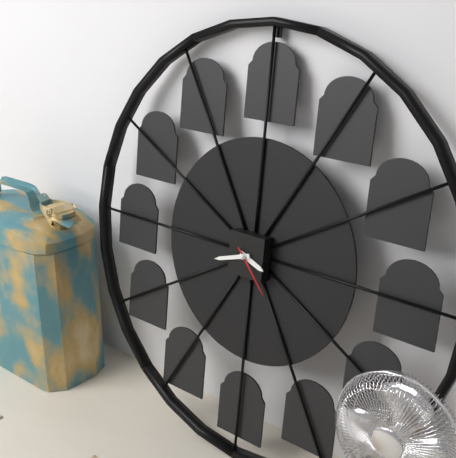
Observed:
3.42.23
